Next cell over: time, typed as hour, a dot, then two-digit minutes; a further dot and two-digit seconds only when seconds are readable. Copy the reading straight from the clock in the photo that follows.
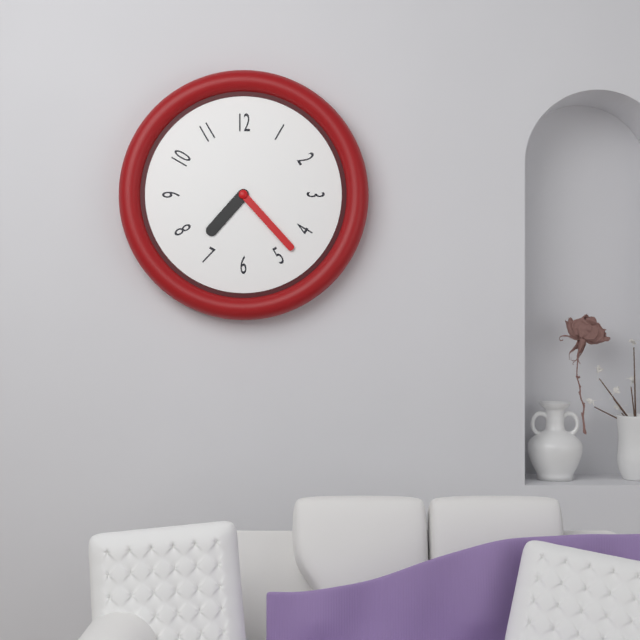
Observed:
7.23
